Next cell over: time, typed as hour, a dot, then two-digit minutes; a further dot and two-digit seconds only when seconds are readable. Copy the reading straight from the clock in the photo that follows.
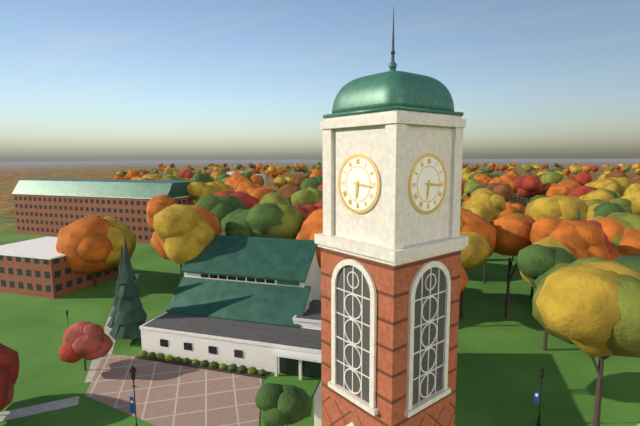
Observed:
6.16
